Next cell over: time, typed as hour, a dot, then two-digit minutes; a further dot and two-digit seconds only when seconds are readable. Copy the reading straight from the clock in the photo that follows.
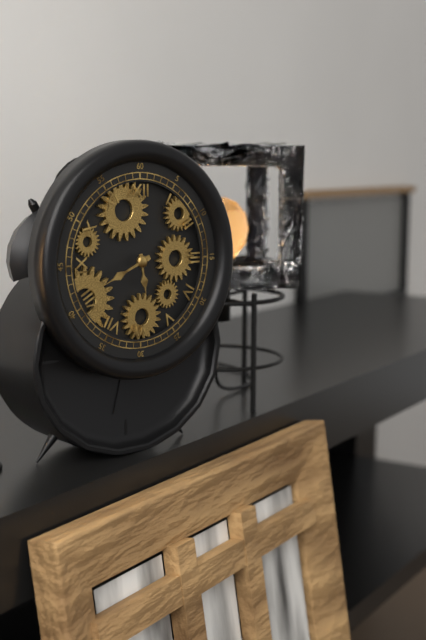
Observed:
5.41
